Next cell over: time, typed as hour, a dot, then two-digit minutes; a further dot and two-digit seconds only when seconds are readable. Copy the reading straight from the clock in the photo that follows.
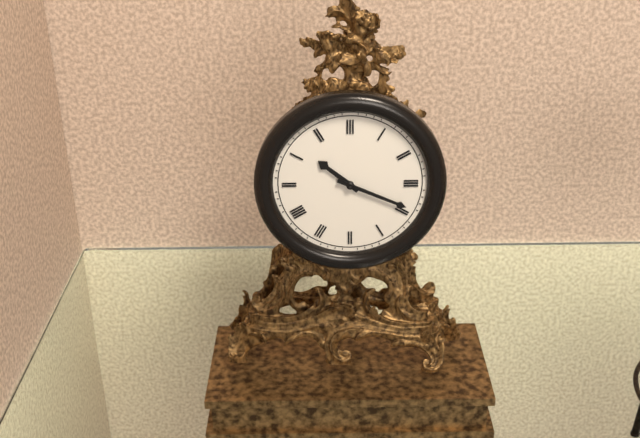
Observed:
10.19
